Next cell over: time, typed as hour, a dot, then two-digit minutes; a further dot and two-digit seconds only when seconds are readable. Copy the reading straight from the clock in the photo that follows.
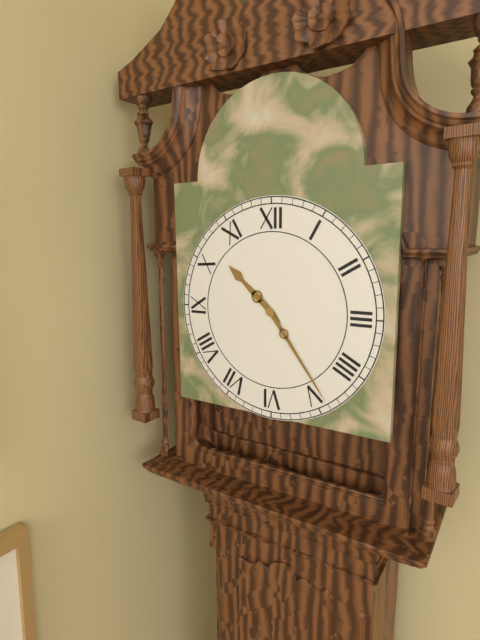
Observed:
10.24
